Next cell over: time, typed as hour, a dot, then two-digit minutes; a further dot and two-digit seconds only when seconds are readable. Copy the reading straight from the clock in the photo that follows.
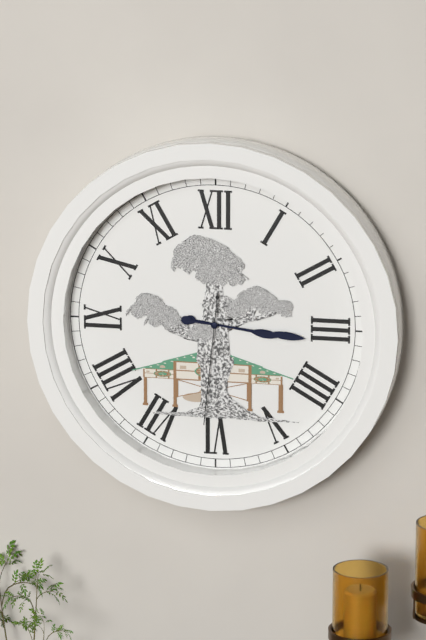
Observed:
3.16.31
